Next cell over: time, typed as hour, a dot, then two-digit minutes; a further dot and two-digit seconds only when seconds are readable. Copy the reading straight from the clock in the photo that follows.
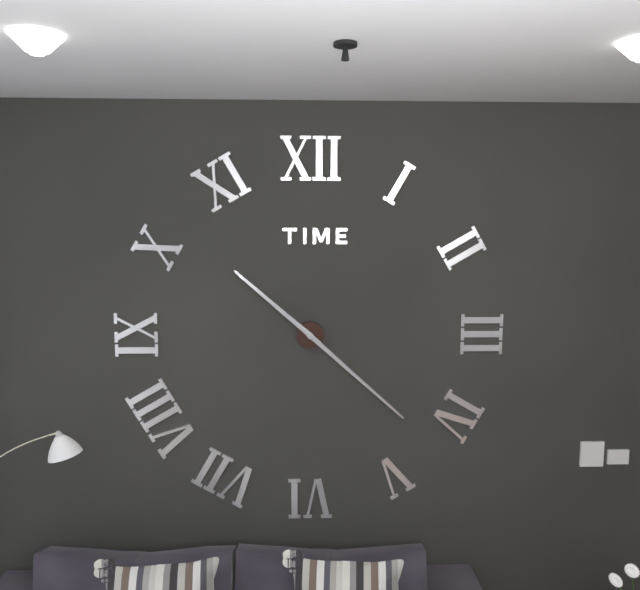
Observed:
10.22
